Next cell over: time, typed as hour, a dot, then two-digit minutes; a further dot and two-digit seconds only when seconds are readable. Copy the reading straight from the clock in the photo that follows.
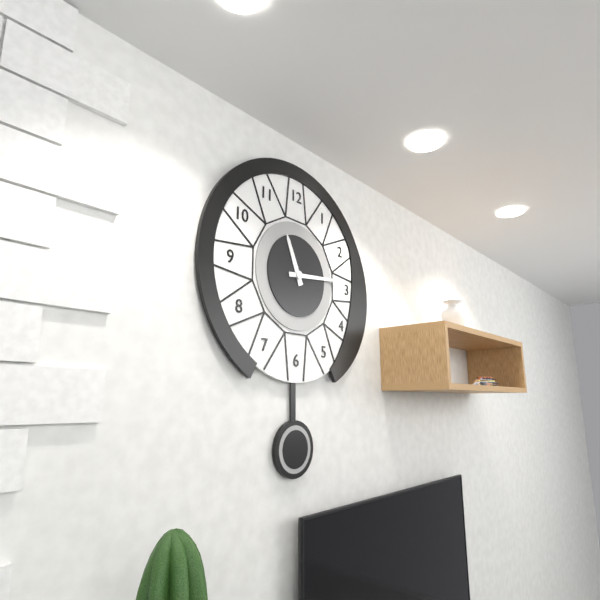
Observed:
11.14
